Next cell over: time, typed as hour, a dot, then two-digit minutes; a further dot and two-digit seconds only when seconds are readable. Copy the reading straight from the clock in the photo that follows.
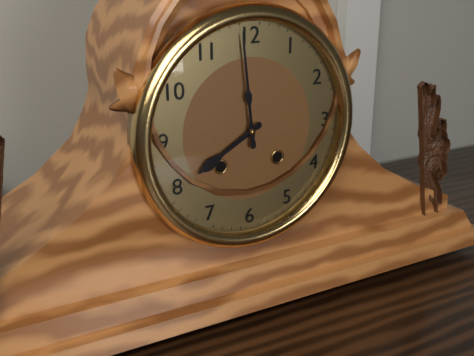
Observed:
7.59
